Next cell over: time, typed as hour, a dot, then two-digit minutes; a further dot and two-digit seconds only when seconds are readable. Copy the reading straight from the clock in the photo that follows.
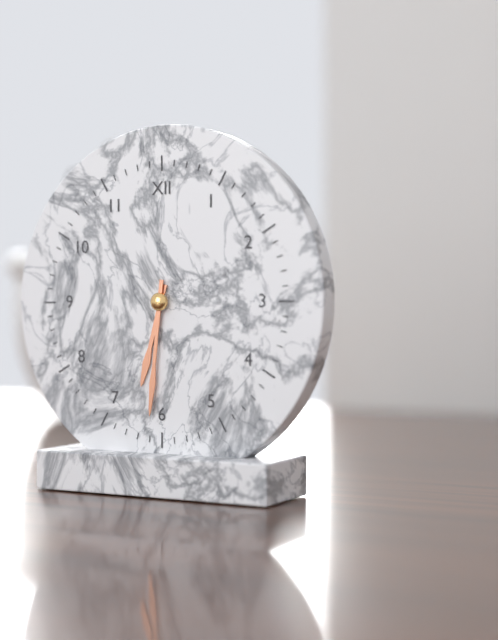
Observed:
6.31
